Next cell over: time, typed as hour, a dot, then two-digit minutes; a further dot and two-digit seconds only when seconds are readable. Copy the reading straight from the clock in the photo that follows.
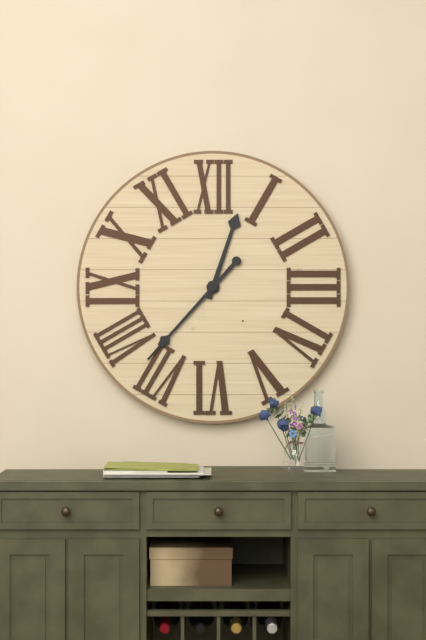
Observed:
12.37
